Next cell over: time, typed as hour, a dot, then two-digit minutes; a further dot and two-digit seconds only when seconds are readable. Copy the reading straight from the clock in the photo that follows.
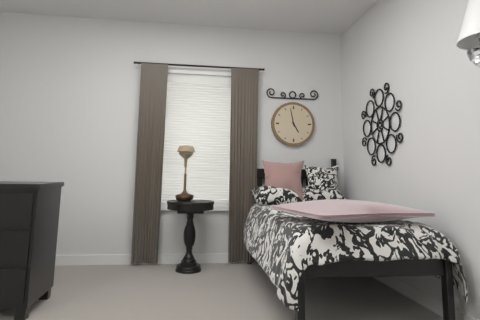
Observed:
4.58
